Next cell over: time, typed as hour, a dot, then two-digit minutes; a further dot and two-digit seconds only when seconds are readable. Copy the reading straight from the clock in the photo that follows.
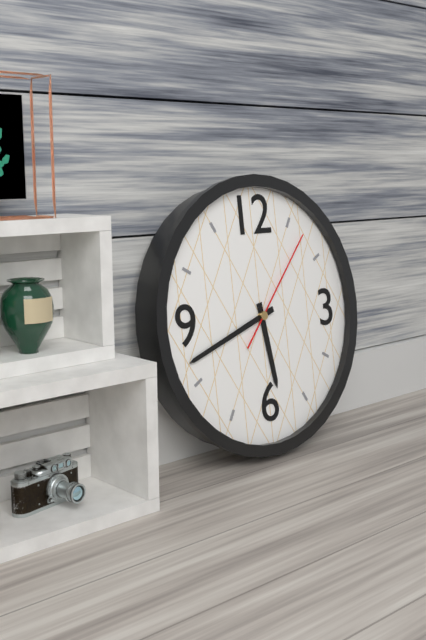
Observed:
5.42.07
